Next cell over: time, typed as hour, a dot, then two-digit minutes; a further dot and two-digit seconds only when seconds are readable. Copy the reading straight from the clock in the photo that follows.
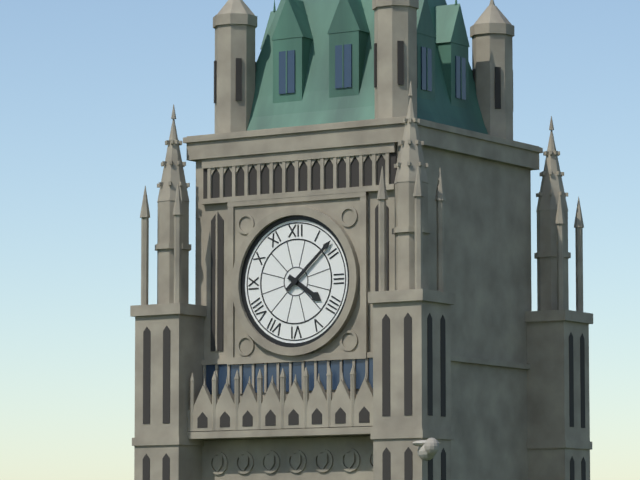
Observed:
4.08
